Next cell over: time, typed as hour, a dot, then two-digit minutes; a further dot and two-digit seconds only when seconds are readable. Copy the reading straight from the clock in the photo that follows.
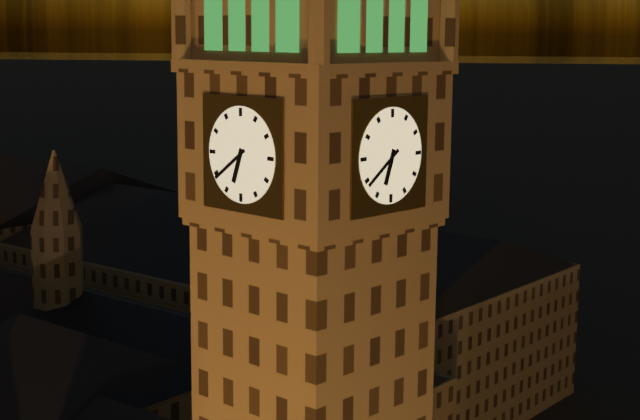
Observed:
6.39
